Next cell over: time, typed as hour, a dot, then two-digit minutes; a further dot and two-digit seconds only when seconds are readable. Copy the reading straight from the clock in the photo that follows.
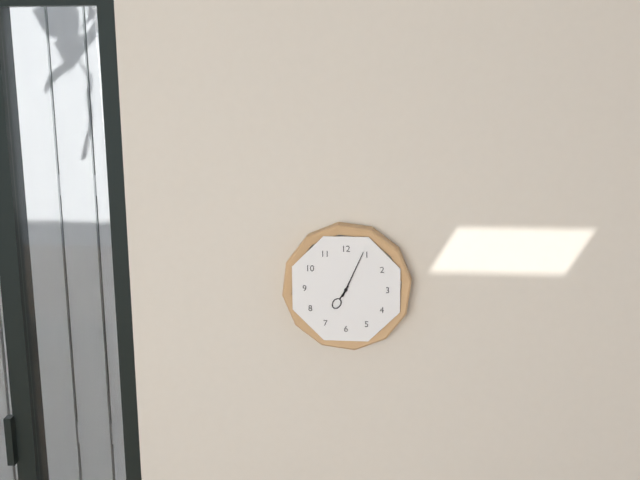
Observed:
7.04
